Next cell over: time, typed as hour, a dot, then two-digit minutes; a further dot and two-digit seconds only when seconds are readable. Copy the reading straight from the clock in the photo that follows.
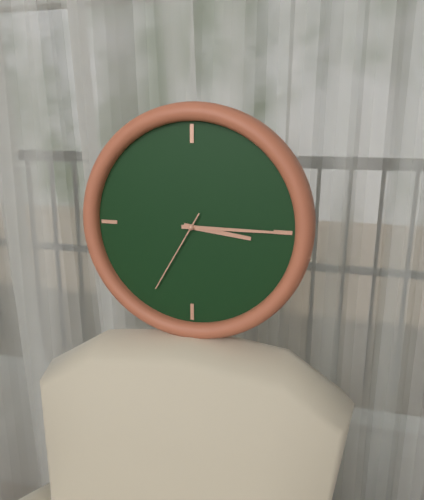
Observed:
3.15.35
